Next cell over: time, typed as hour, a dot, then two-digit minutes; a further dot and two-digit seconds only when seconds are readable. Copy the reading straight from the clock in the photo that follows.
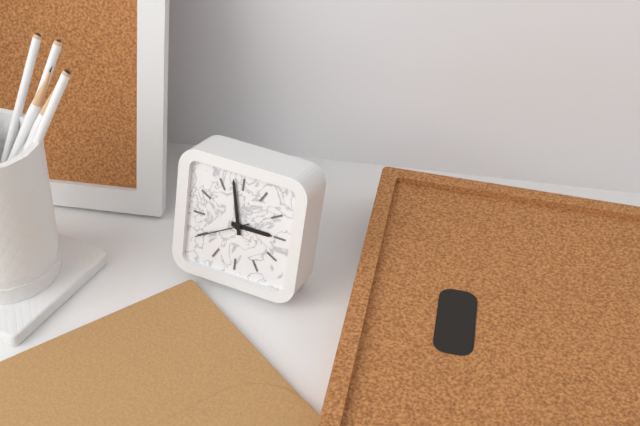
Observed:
2.58.40
